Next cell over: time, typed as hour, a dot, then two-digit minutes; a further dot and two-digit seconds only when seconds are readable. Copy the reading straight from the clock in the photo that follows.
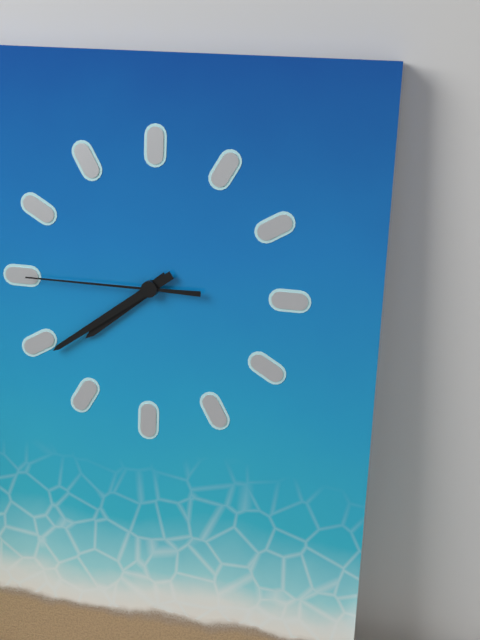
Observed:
7.39.45
